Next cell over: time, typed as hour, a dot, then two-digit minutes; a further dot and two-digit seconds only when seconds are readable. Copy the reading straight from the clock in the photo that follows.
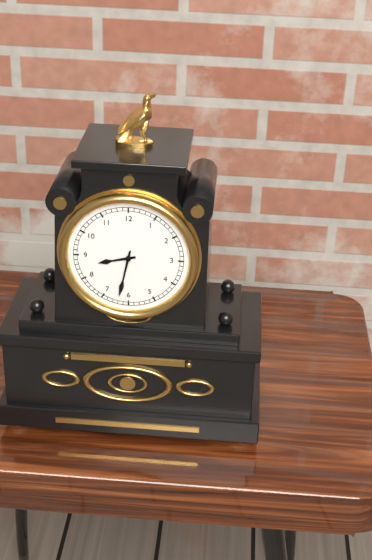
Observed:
8.32
